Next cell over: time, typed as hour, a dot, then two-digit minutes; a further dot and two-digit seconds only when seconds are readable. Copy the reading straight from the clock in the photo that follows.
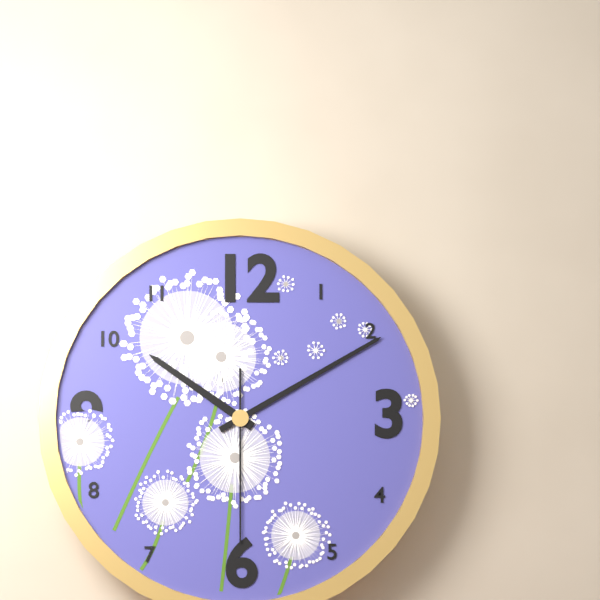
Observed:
10.10.30
